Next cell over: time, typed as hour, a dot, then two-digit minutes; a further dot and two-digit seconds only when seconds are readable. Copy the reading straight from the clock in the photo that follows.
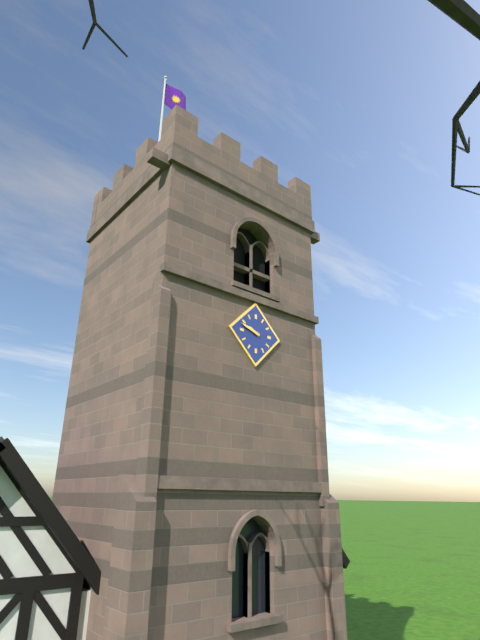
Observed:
9.48
